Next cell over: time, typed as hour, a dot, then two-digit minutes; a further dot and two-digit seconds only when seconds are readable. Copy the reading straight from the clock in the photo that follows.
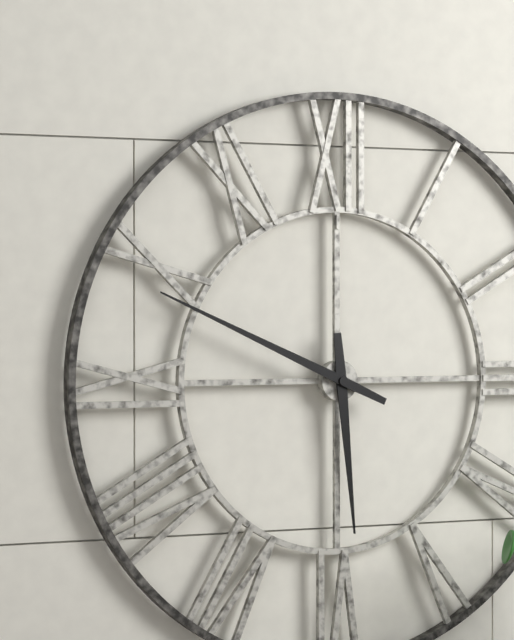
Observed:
5.49
